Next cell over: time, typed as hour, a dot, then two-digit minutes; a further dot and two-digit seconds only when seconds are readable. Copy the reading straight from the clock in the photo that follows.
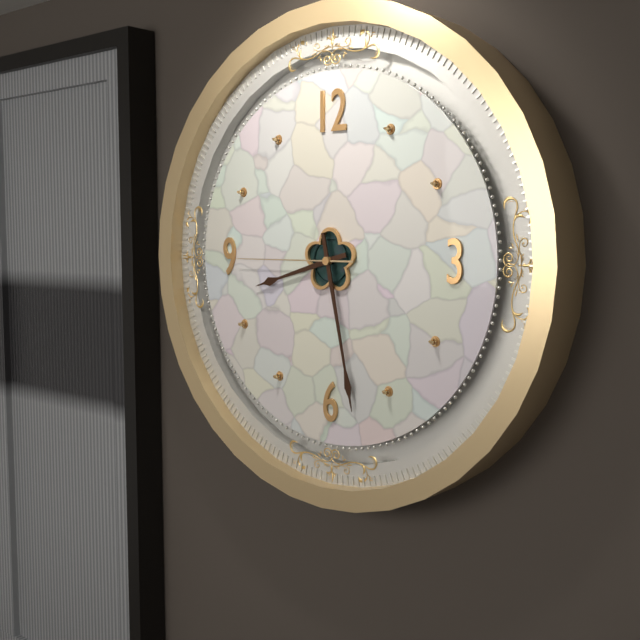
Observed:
8.28.45
